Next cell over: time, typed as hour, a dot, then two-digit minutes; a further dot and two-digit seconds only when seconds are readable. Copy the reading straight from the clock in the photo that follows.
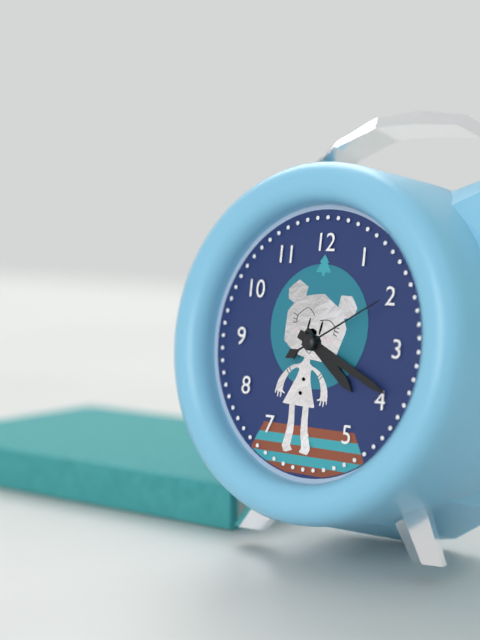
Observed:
4.19.10
